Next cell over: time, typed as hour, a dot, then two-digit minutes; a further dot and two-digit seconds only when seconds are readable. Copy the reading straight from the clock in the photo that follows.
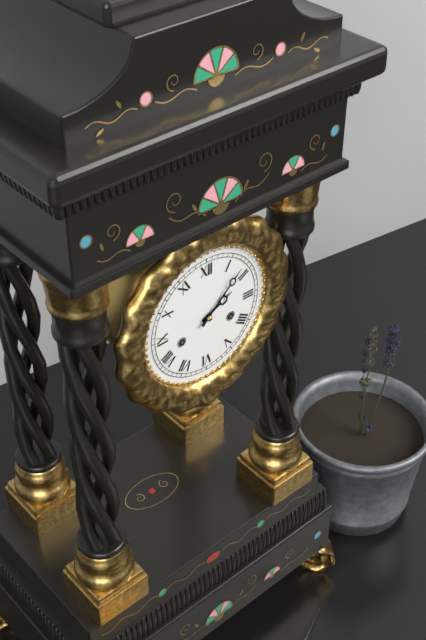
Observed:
2.08
